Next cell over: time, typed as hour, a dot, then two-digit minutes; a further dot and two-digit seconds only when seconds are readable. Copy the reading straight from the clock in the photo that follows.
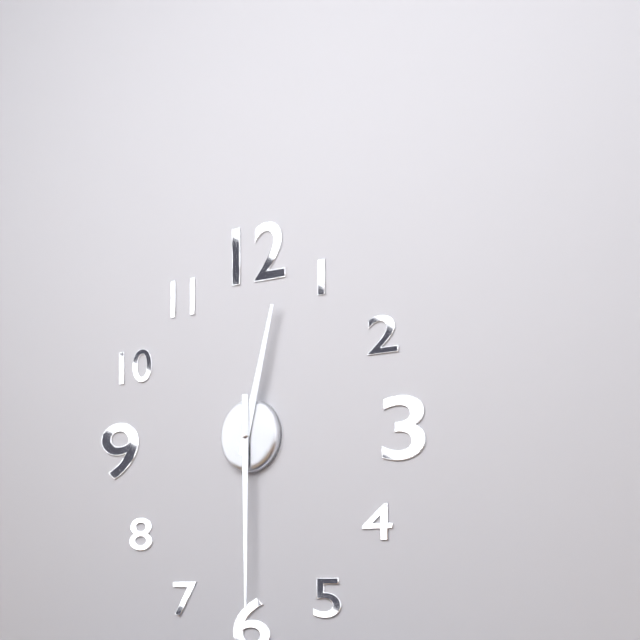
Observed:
12.30
